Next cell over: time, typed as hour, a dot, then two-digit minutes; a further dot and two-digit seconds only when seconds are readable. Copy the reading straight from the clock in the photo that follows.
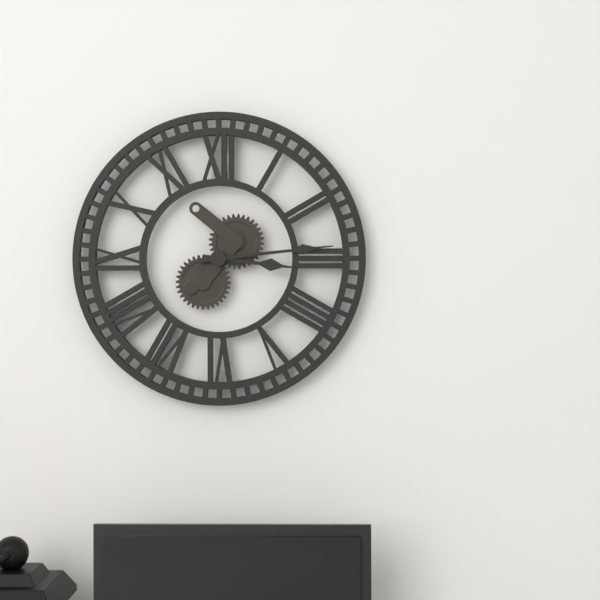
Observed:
3.14
